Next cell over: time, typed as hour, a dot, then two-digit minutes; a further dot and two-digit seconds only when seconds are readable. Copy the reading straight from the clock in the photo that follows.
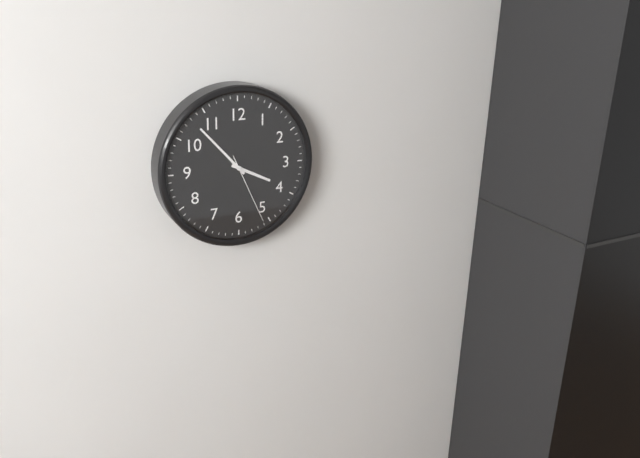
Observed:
3.53.26
